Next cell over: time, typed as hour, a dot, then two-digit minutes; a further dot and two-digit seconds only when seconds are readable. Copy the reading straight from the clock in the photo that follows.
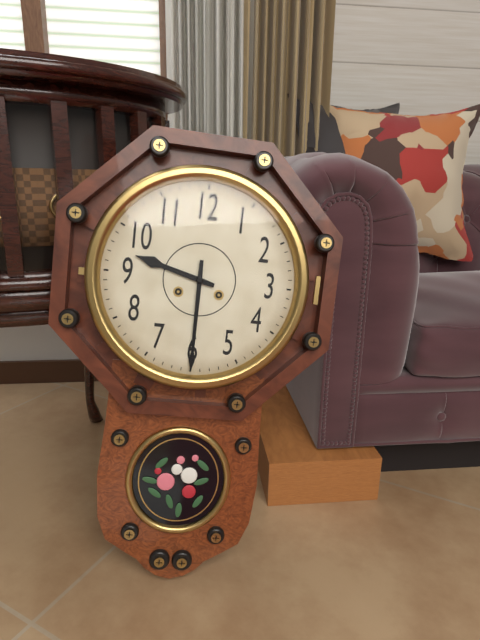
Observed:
9.30
